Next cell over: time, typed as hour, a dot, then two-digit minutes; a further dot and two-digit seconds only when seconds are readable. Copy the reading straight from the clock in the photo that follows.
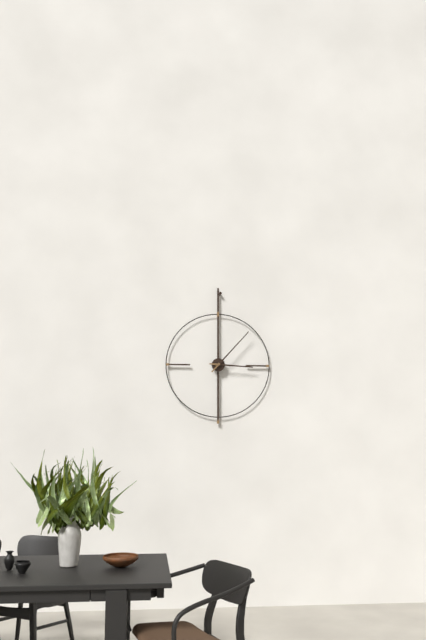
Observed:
3.07
